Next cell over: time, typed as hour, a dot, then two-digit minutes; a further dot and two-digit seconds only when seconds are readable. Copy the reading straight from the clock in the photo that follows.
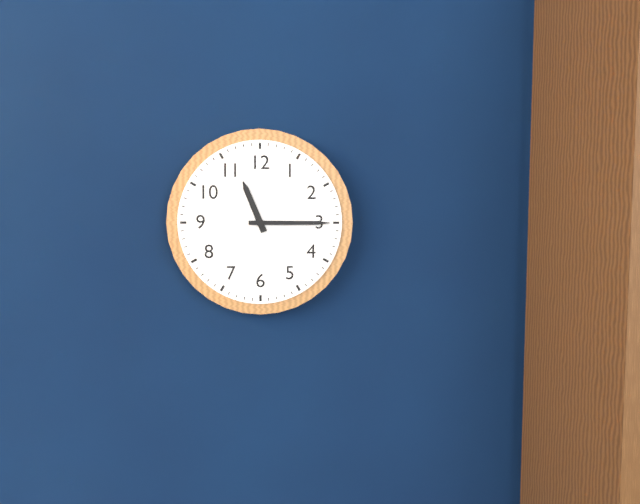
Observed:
11.15
